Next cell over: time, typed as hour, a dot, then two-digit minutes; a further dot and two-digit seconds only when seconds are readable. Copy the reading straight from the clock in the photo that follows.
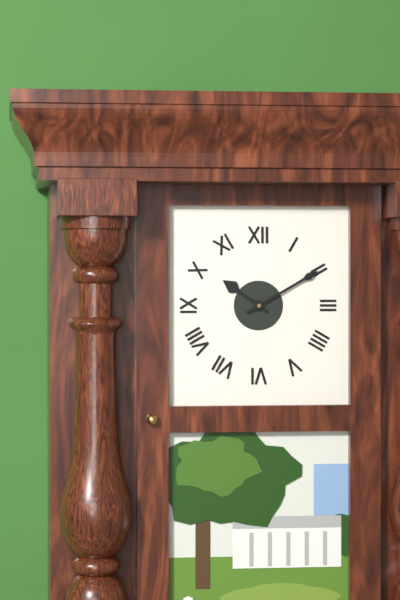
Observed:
10.10
